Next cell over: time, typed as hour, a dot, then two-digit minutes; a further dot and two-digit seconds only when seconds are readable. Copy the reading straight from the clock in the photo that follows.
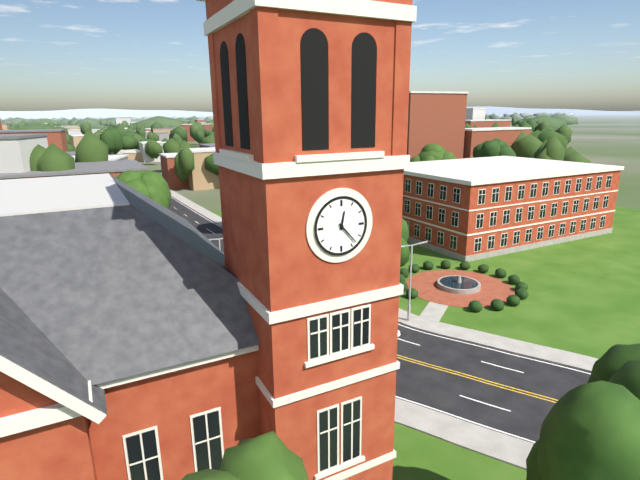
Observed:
12.23
